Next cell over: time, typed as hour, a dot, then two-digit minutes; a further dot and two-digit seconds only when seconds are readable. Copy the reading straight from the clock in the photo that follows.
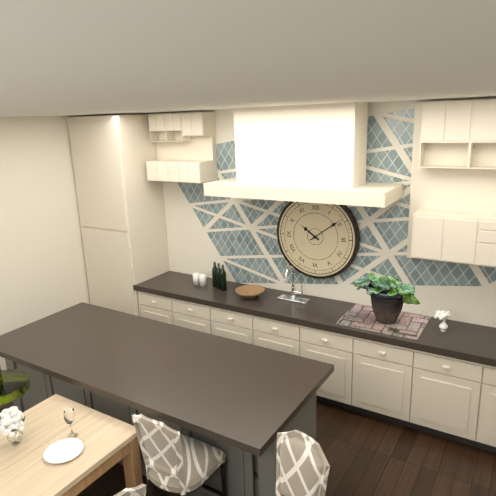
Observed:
10.09
